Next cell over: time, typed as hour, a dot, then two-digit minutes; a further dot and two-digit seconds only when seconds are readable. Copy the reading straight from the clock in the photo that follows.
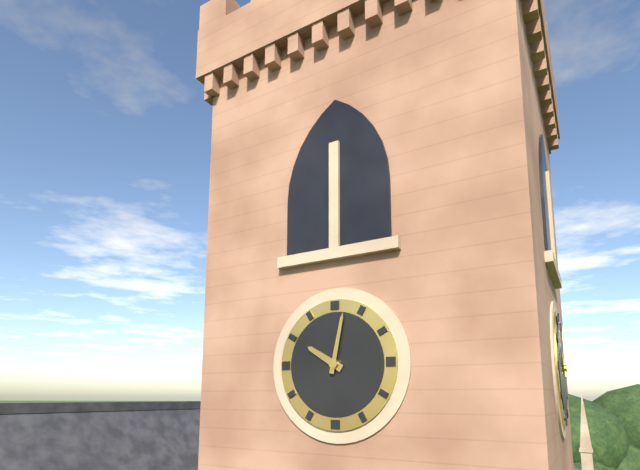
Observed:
10.02
